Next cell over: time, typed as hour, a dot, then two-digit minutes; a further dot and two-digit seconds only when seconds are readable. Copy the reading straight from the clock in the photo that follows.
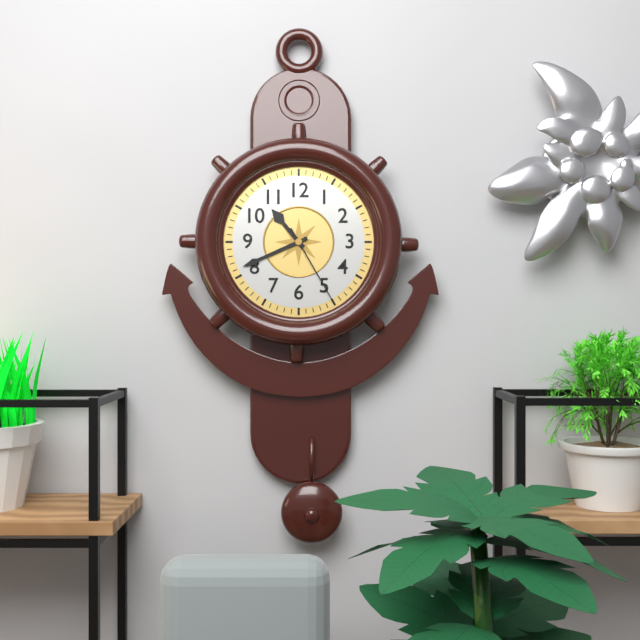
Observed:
10.41.25
